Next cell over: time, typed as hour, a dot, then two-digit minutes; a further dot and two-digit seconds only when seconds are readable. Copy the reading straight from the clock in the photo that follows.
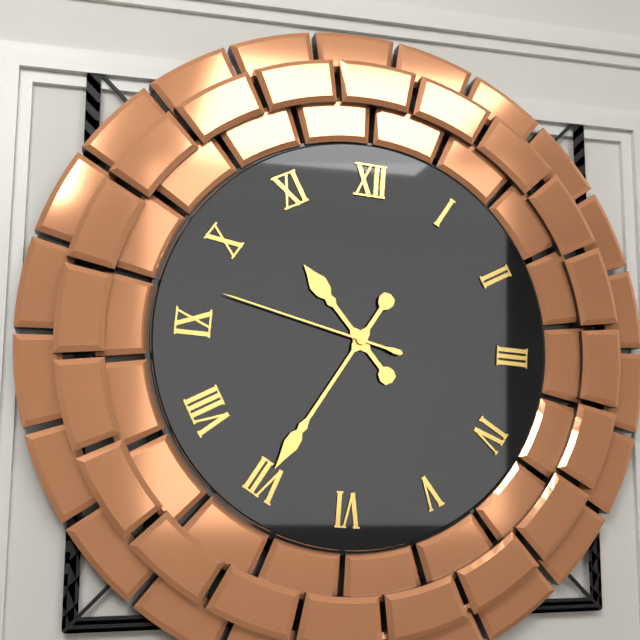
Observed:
10.35.47
